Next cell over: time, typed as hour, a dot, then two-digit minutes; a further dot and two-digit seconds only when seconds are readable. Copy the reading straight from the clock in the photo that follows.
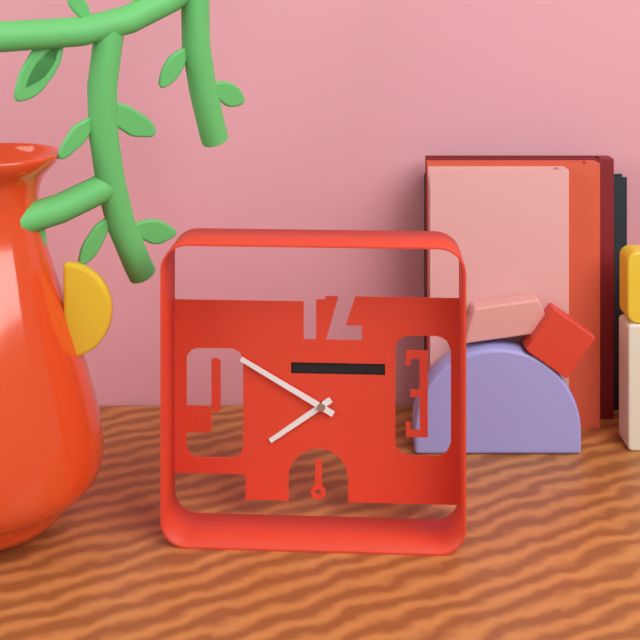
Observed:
7.50
